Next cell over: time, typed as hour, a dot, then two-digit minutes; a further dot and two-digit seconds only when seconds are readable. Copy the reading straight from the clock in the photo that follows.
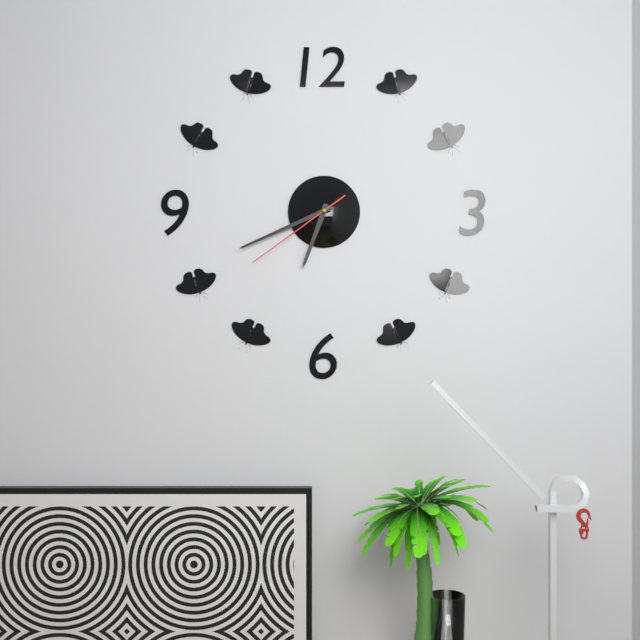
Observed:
6.41.39
